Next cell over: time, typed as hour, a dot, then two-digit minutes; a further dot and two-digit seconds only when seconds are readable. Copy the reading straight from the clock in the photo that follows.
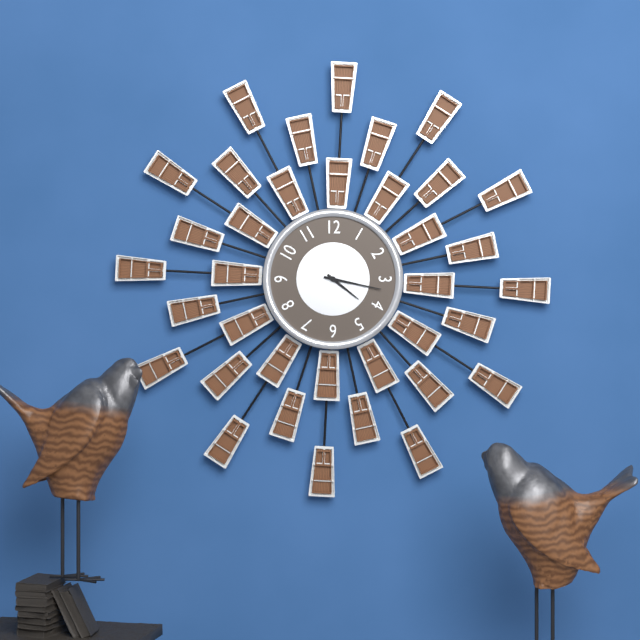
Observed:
4.17
